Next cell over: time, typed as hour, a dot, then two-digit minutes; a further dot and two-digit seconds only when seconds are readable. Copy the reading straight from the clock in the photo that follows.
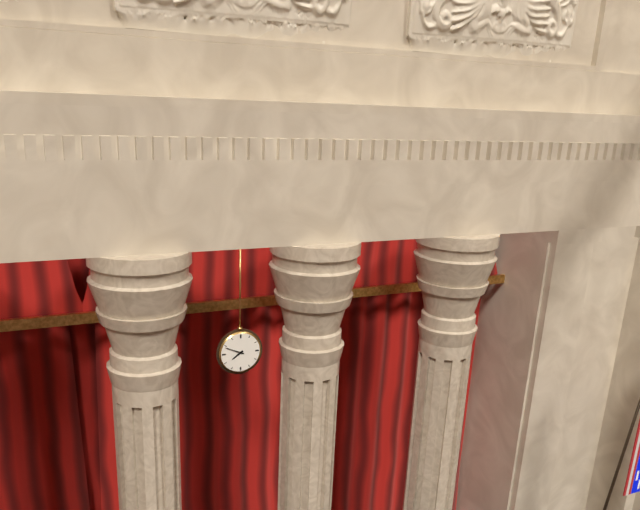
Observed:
7.49
